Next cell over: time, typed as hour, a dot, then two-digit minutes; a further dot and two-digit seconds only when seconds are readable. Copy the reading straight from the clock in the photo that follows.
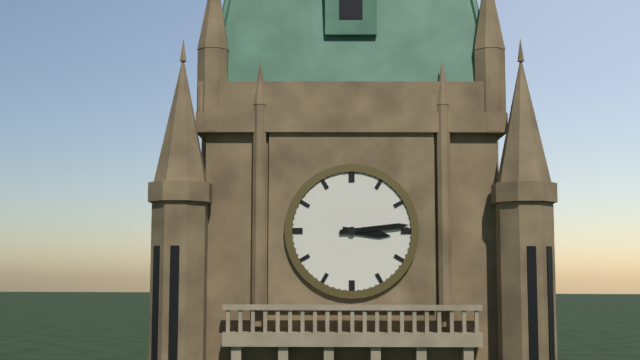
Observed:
3.14
